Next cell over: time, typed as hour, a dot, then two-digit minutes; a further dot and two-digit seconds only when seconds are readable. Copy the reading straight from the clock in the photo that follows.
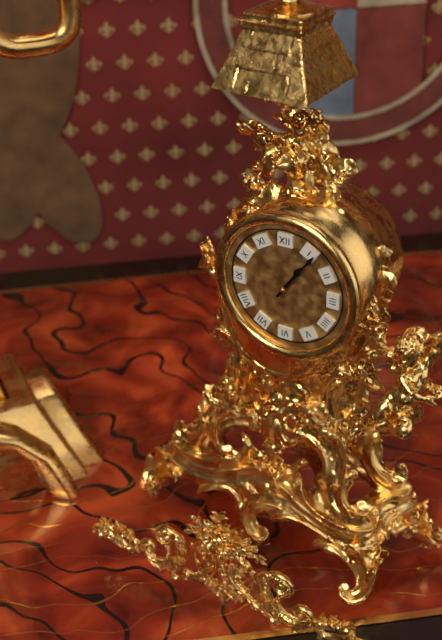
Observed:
1.06
